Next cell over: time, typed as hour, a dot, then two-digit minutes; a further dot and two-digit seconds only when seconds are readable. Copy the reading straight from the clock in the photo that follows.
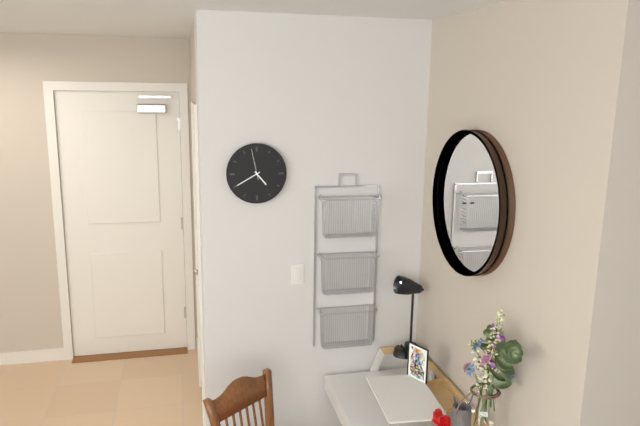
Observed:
4.40
